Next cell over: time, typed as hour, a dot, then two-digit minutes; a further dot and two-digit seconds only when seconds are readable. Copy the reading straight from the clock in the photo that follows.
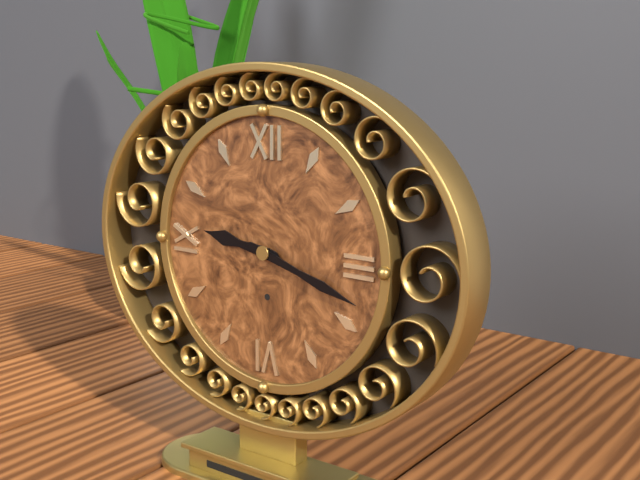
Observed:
9.18
